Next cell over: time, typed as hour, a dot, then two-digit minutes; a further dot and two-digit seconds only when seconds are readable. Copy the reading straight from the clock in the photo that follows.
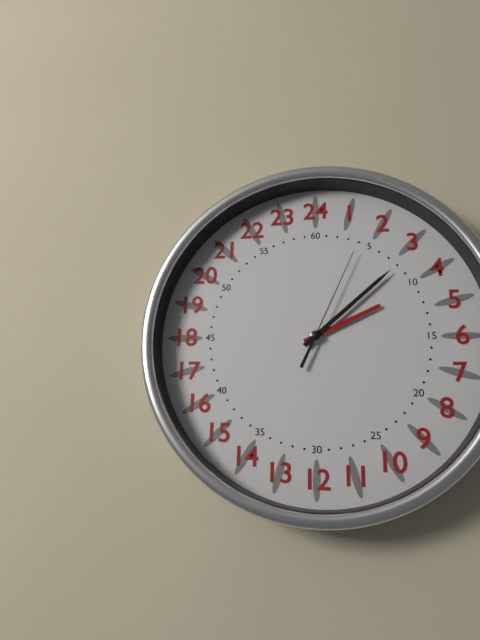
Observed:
2.08.04
